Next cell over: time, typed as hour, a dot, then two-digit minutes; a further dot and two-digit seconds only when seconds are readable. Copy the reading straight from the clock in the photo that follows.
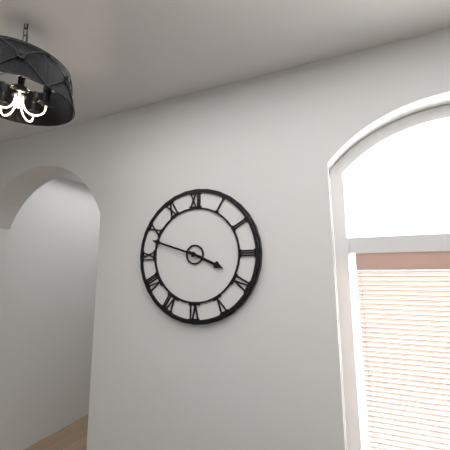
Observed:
3.48
